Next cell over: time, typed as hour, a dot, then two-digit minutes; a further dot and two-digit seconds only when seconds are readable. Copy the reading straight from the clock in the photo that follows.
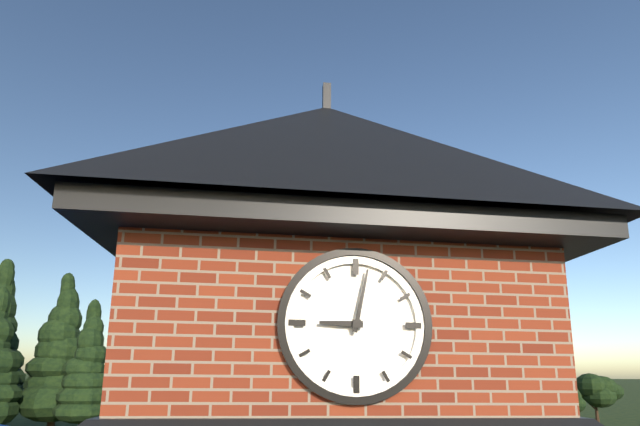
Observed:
9.02
